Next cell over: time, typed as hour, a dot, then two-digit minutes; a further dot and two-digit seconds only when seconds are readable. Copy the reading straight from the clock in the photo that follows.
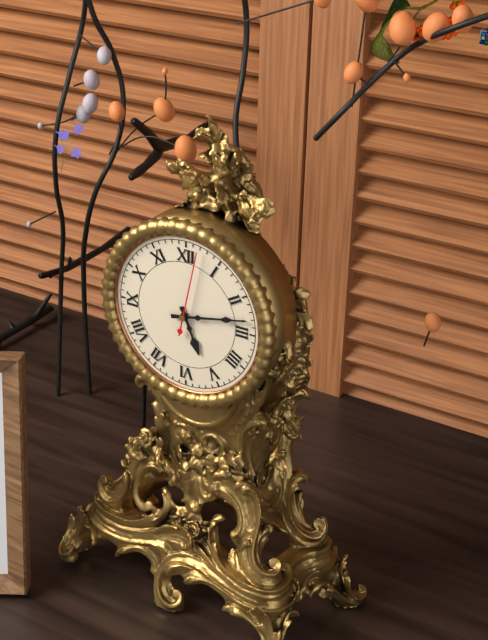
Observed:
5.13.02
